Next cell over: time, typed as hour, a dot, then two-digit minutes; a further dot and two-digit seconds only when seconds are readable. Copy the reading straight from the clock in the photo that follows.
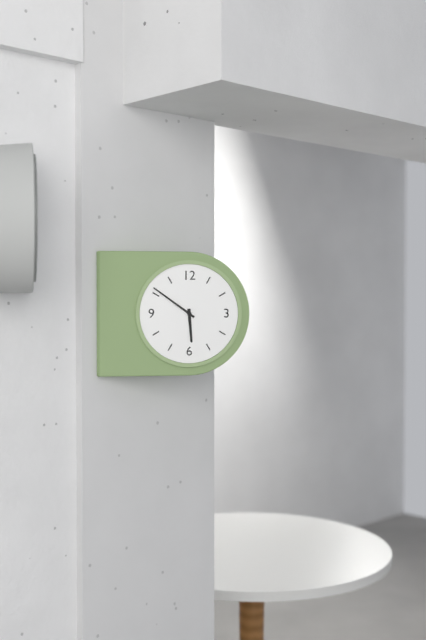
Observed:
5.51
